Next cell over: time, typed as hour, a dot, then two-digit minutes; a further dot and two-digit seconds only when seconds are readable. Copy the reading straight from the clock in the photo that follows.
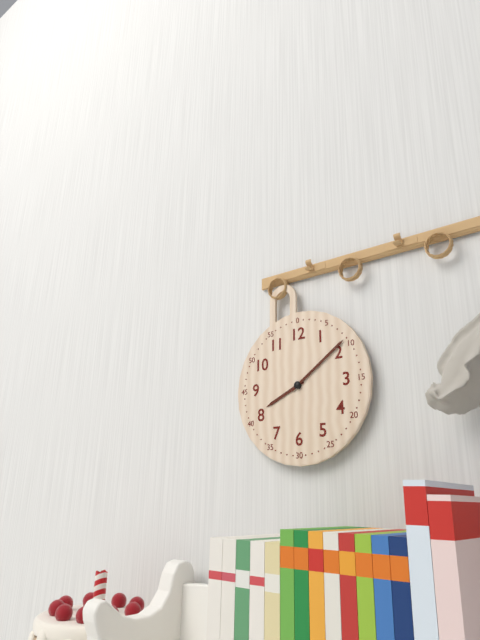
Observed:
8.09
